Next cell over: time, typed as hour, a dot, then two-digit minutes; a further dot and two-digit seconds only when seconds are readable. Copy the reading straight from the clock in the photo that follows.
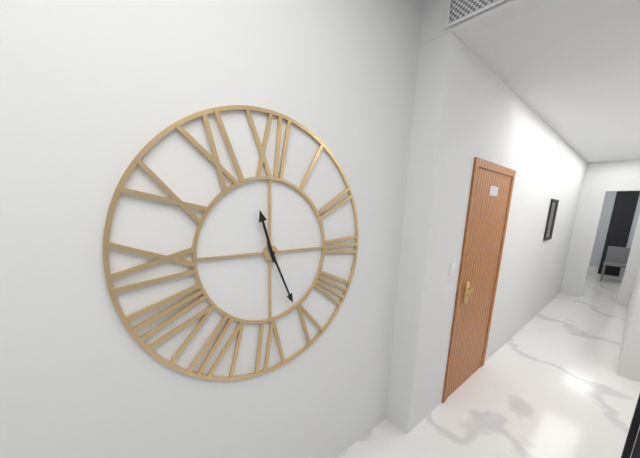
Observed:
11.26
